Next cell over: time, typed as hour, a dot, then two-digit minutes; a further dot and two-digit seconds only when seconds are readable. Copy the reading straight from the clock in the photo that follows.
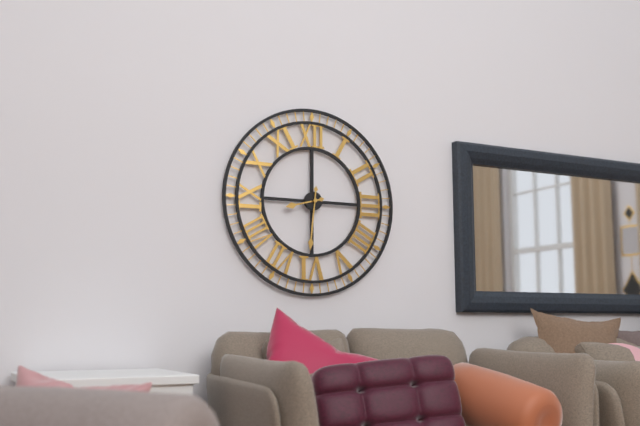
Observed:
8.31
